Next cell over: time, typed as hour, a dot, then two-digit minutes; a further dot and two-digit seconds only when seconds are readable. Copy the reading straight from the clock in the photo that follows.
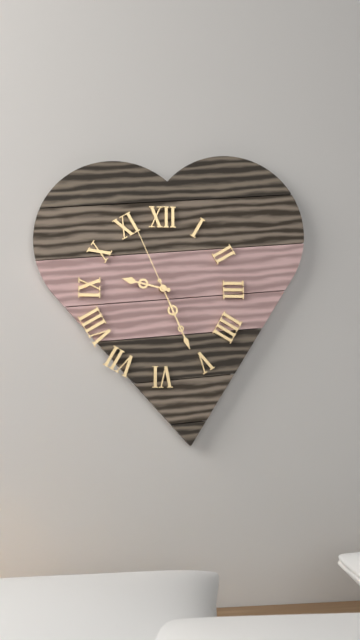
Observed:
9.26.56
